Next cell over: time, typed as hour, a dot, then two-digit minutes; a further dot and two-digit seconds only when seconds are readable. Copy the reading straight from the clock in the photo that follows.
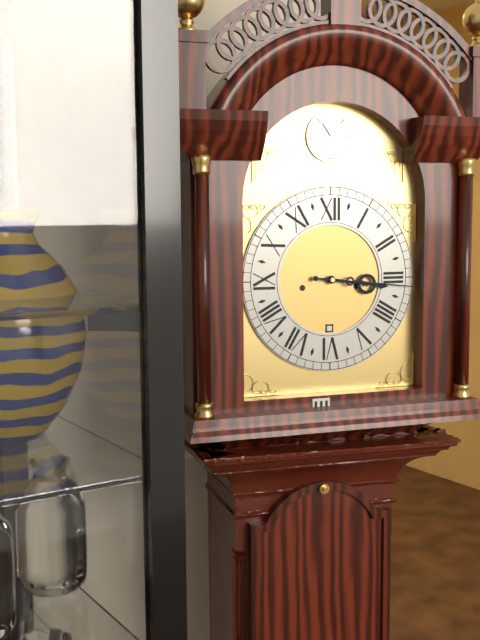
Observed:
3.16
